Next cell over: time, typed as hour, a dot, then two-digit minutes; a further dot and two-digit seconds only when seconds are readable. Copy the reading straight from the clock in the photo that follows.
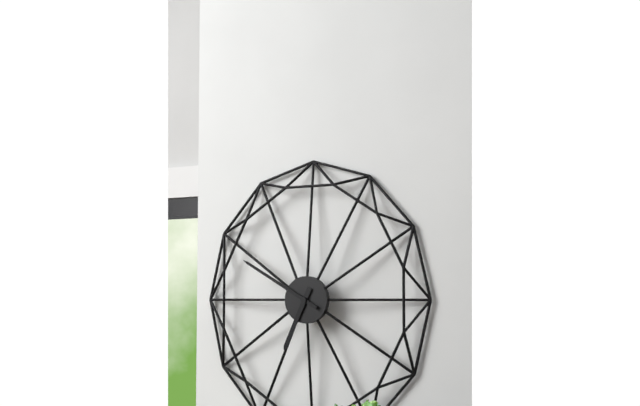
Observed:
6.50
